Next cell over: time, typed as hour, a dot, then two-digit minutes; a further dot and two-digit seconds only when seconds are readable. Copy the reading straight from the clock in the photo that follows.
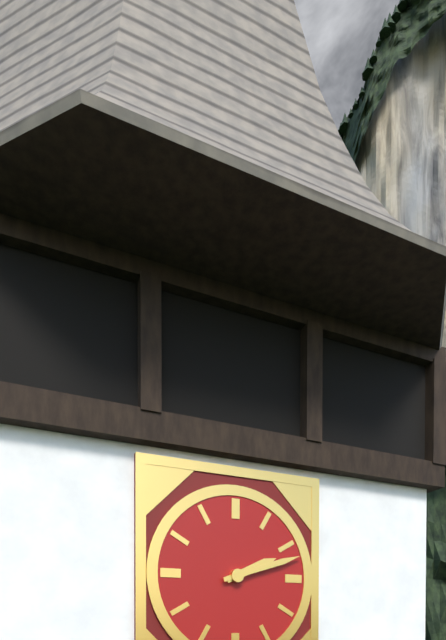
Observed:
2.12
